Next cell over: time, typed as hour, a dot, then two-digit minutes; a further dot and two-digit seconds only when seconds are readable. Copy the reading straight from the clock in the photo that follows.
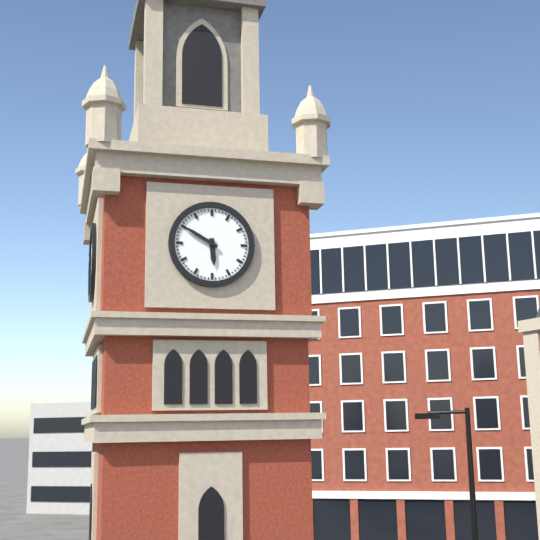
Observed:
5.50
